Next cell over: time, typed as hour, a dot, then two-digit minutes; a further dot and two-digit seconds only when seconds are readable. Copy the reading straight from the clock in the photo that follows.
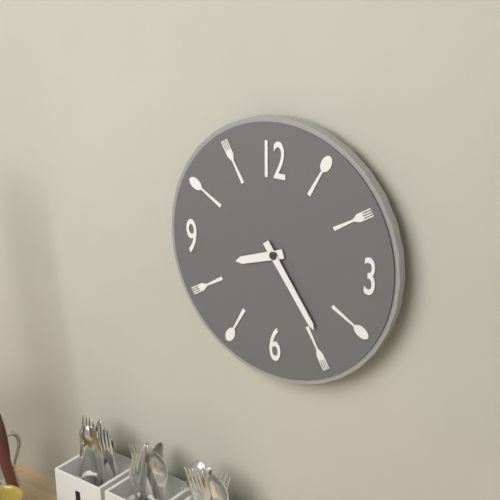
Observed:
8.24
